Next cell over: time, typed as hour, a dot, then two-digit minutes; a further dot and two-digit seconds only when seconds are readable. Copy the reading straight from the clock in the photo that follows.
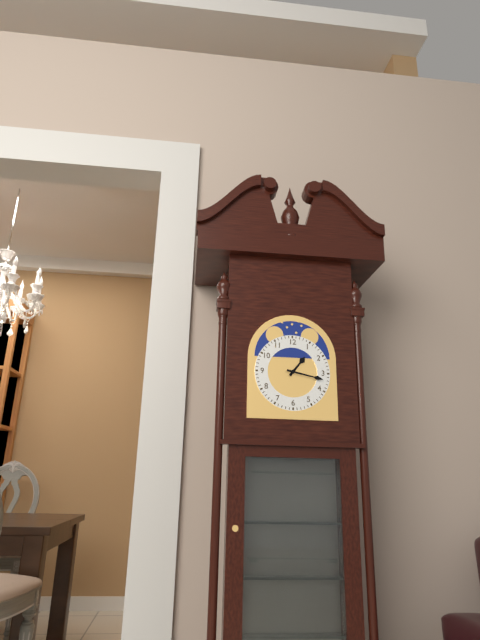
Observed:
1.17
